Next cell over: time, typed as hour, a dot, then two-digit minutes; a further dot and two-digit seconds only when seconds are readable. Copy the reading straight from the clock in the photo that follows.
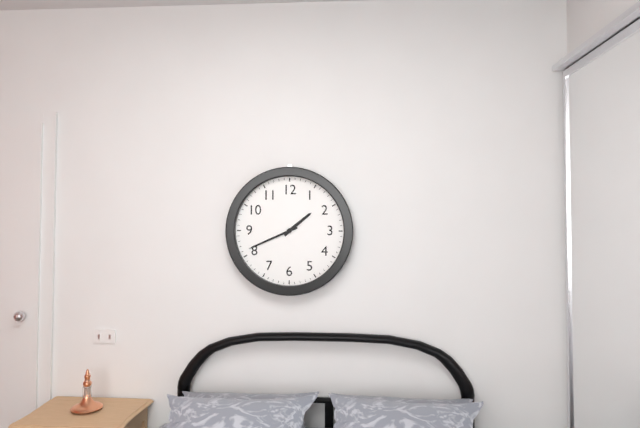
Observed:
1.41
